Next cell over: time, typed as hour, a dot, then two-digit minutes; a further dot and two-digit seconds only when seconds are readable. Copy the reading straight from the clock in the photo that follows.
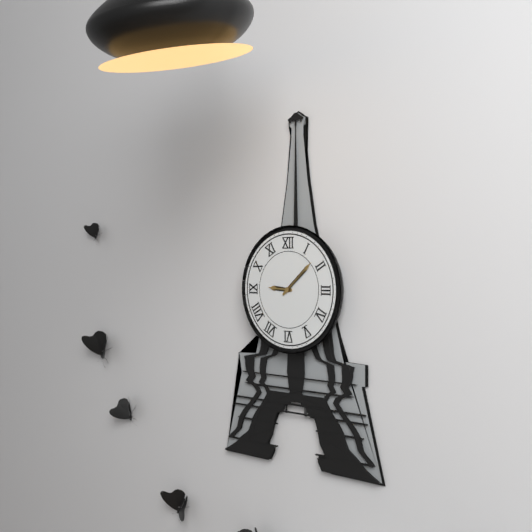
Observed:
9.08
